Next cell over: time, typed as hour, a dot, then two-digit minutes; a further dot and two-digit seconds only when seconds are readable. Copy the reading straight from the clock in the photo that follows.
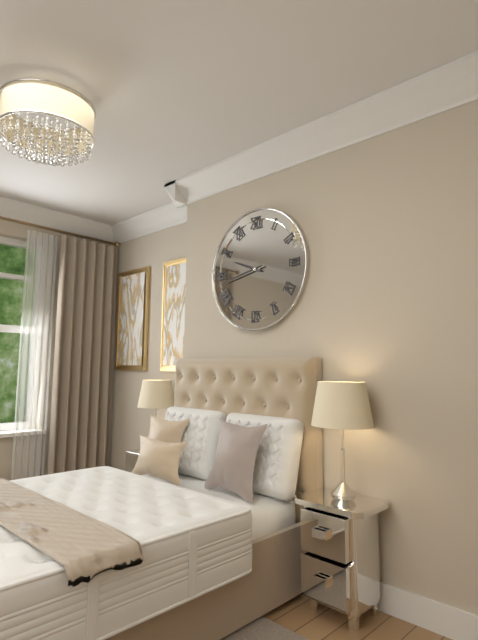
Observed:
9.43
